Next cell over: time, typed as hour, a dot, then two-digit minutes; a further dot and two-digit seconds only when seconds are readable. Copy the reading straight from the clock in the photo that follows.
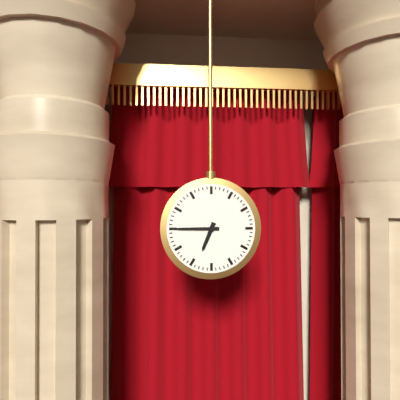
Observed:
6.45
